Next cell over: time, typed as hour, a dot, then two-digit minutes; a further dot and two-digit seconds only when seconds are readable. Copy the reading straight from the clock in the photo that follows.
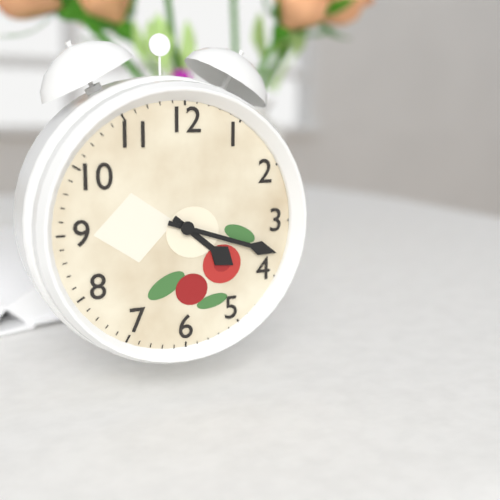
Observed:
4.18
